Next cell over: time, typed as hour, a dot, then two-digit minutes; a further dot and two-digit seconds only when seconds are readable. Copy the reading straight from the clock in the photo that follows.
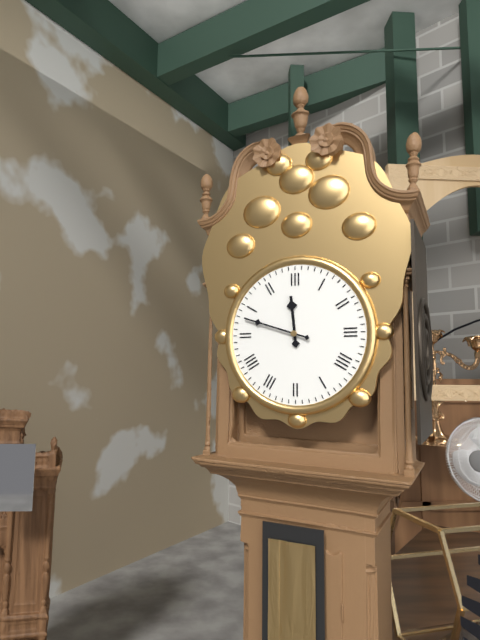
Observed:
11.48
